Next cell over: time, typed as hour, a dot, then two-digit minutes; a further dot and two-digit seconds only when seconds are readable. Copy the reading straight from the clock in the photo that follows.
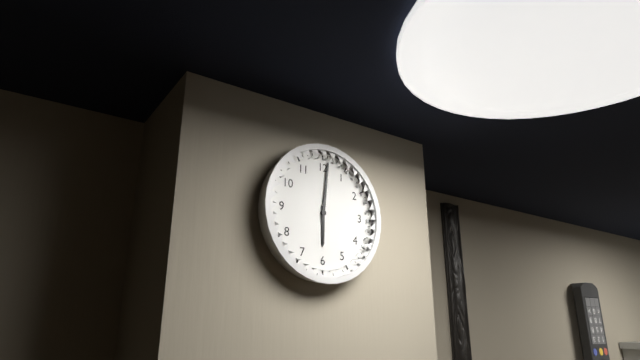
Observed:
6.01
